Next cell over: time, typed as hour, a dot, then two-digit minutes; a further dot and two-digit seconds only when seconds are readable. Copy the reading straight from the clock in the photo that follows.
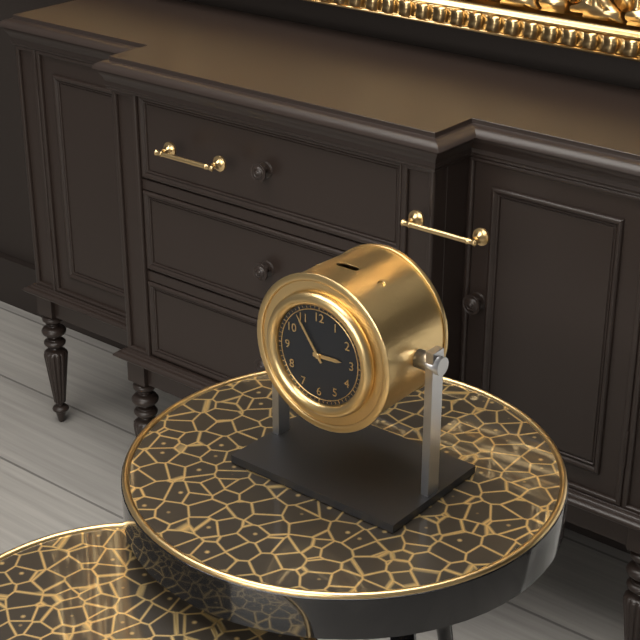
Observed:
2.54
